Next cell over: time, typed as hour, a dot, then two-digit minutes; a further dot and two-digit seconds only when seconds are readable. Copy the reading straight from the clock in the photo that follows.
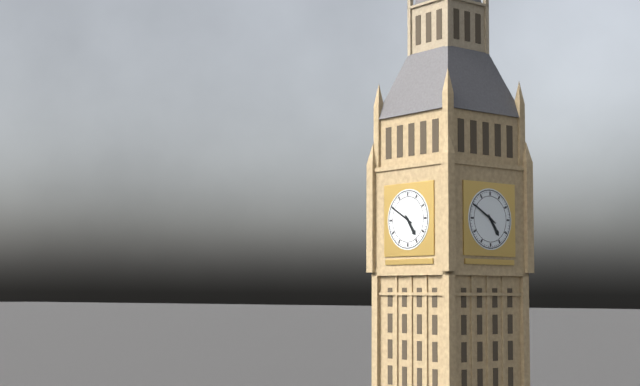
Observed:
4.50
